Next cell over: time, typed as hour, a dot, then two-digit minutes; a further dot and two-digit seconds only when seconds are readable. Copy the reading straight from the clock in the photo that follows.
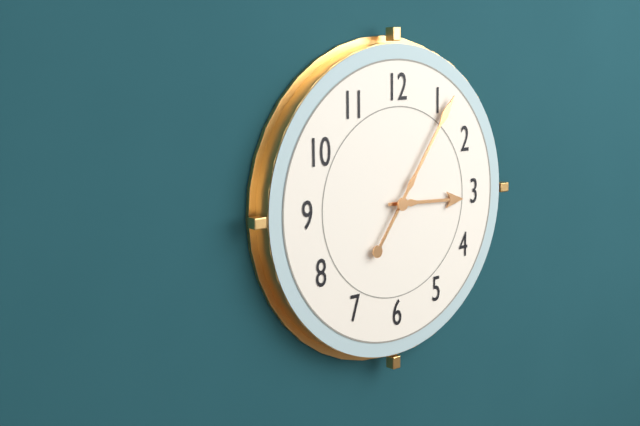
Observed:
3.06
